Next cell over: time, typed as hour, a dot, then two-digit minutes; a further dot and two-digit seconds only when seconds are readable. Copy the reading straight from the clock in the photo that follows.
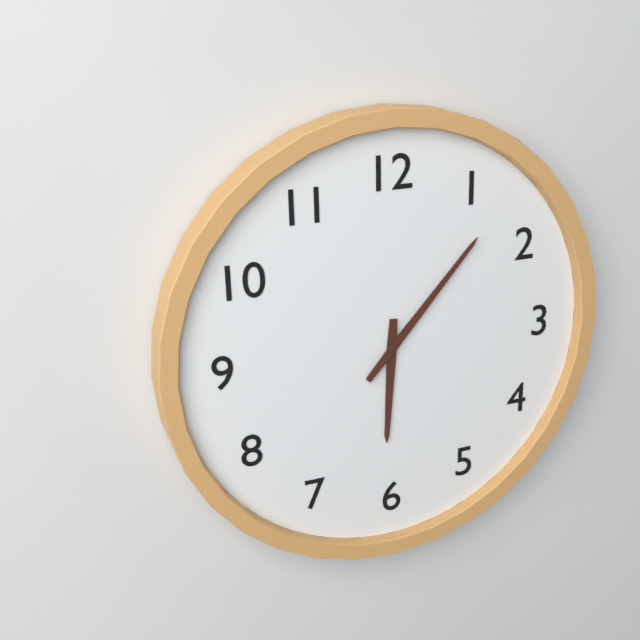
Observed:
6.07
